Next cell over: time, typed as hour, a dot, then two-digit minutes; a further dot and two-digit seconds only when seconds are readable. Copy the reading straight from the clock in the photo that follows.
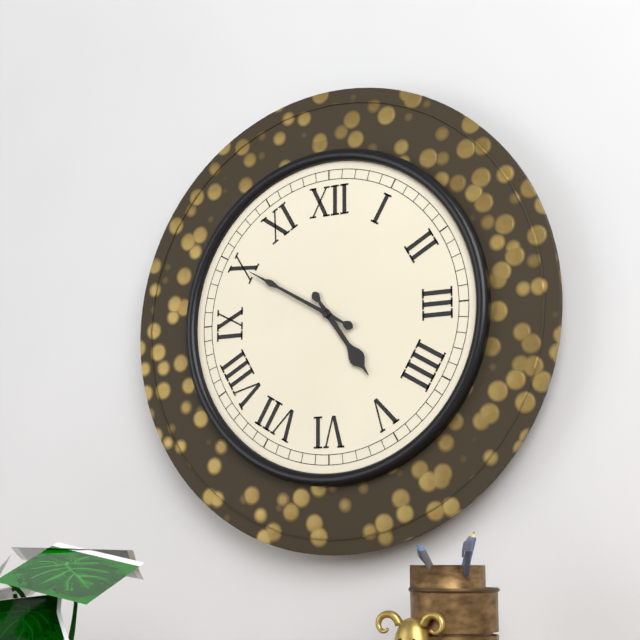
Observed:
4.50
